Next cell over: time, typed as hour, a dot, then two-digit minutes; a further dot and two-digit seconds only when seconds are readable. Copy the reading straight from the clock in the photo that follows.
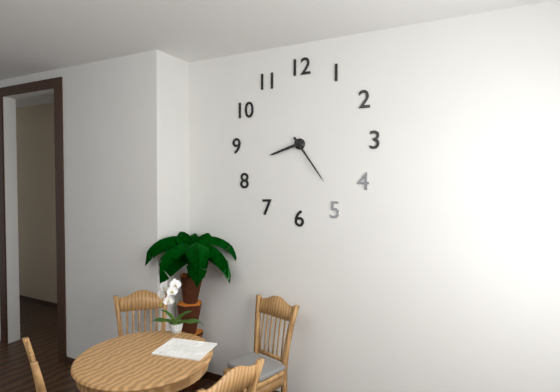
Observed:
8.24
